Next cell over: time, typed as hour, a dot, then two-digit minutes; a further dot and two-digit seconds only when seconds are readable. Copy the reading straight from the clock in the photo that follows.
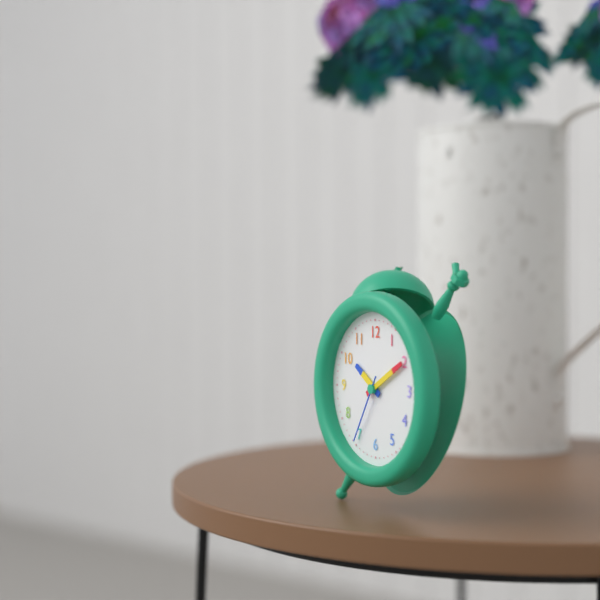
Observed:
10.10.35
